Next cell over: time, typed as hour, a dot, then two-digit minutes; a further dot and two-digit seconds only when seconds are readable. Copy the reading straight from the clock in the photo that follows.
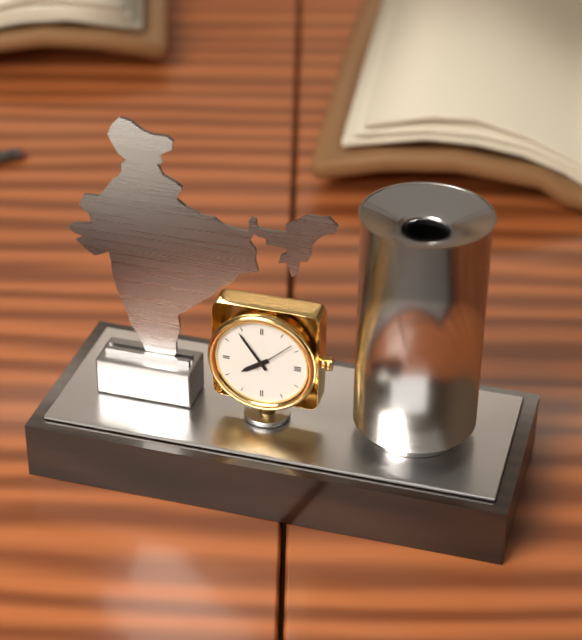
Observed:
7.54
